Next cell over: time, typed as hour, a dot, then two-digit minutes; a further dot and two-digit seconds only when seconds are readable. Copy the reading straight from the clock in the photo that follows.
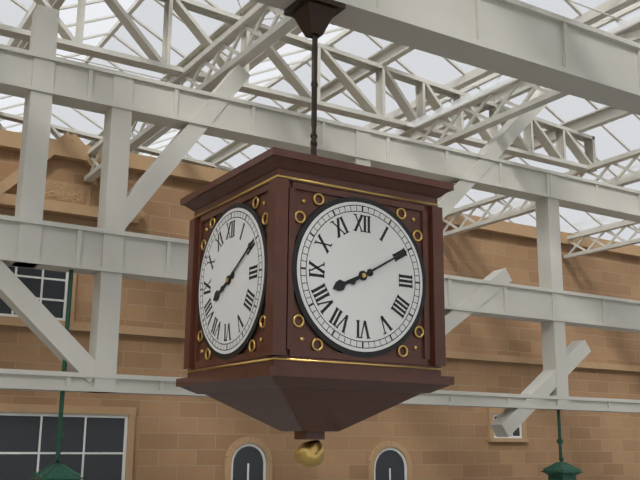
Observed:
8.10
